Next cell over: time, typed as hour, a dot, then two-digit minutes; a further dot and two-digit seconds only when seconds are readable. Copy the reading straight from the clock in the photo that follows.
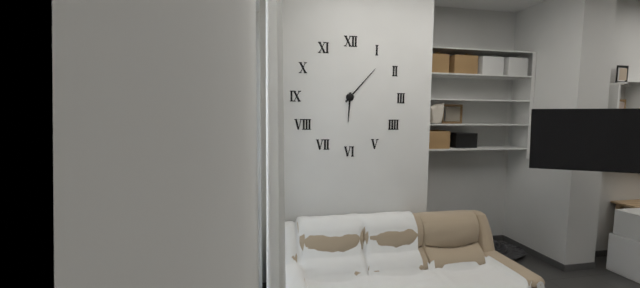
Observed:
6.07
